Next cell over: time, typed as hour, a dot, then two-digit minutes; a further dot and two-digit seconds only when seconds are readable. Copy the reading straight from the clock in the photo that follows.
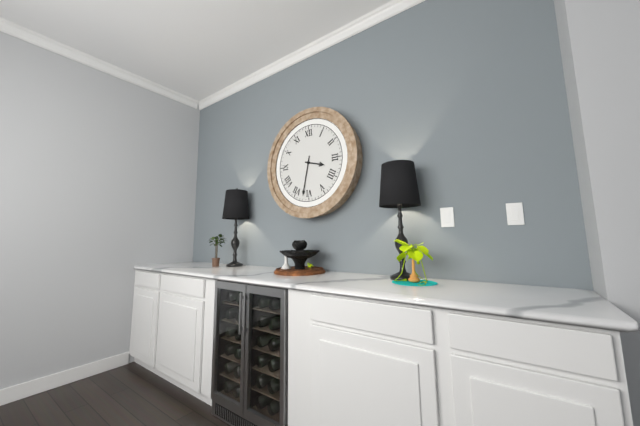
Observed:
3.32
